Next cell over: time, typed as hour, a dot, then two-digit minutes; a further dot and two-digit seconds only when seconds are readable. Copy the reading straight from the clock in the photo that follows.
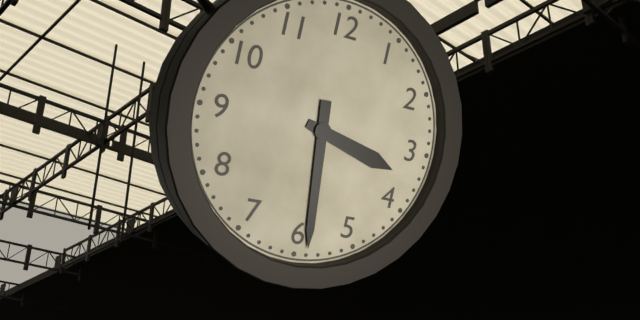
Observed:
3.29
